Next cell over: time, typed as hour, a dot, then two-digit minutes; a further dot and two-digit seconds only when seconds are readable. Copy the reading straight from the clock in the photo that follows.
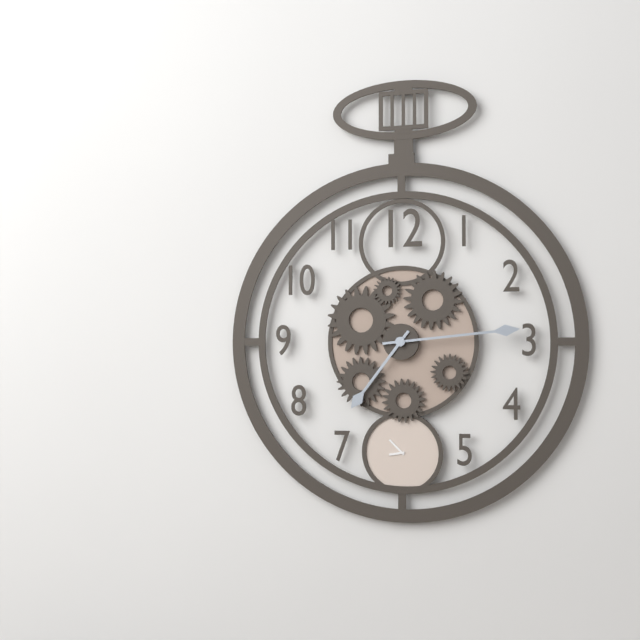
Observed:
7.14
